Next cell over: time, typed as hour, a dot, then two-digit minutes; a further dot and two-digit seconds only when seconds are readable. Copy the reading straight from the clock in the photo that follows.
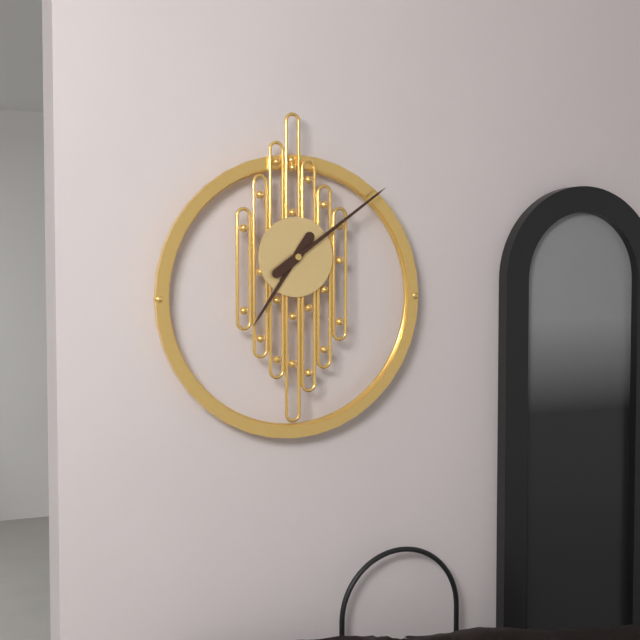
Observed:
7.09
